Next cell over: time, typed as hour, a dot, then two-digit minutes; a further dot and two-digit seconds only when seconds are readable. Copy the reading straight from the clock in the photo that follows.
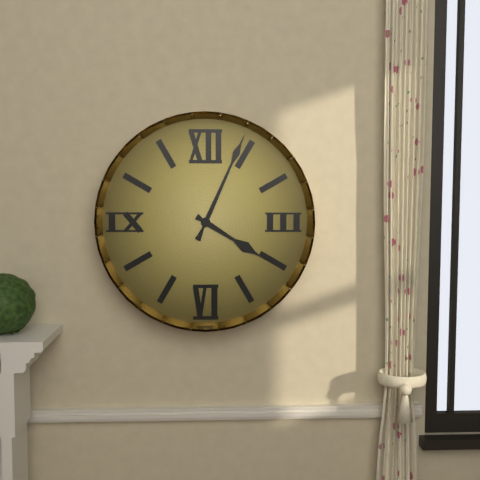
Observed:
4.04
